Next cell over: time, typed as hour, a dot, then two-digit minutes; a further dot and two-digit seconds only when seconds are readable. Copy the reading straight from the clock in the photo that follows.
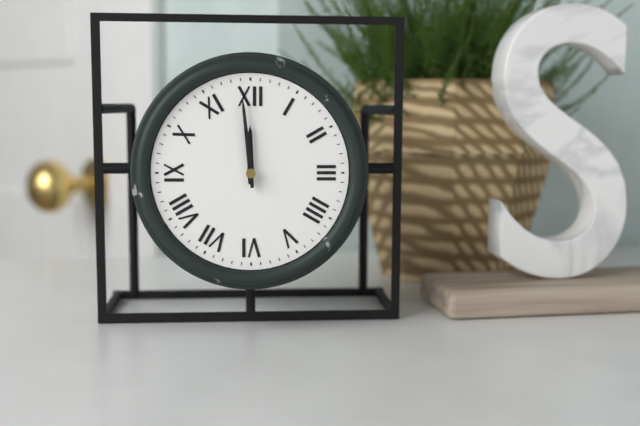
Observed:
11.59
